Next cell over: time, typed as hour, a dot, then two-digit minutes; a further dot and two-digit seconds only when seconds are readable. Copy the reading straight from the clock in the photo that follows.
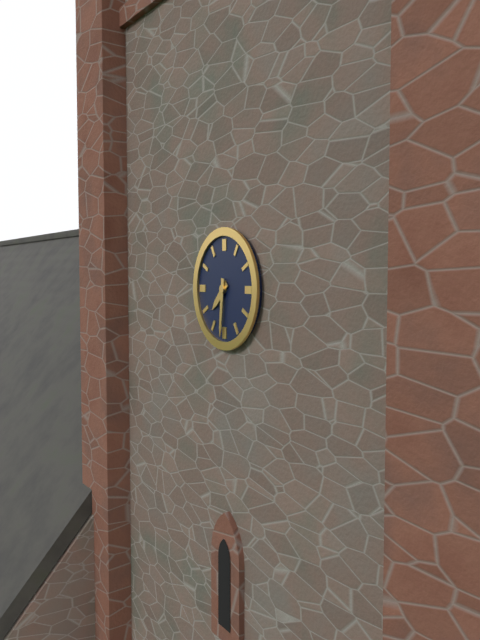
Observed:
7.31
